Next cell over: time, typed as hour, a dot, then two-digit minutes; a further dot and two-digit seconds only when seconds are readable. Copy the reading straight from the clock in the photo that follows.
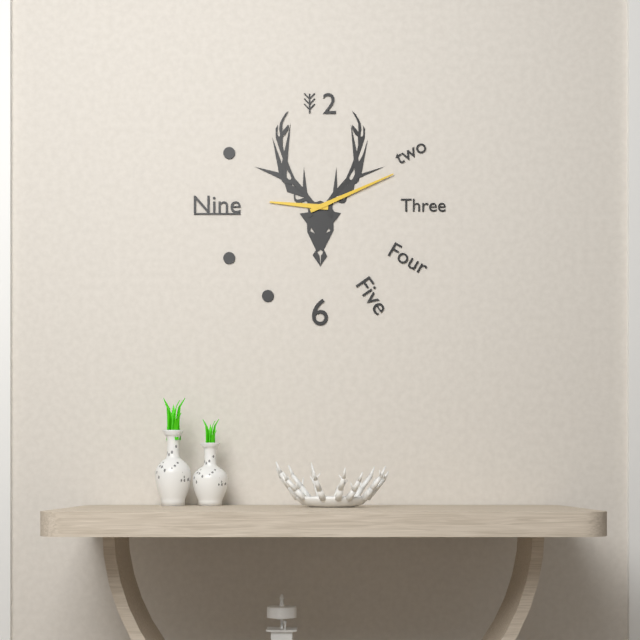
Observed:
9.11
